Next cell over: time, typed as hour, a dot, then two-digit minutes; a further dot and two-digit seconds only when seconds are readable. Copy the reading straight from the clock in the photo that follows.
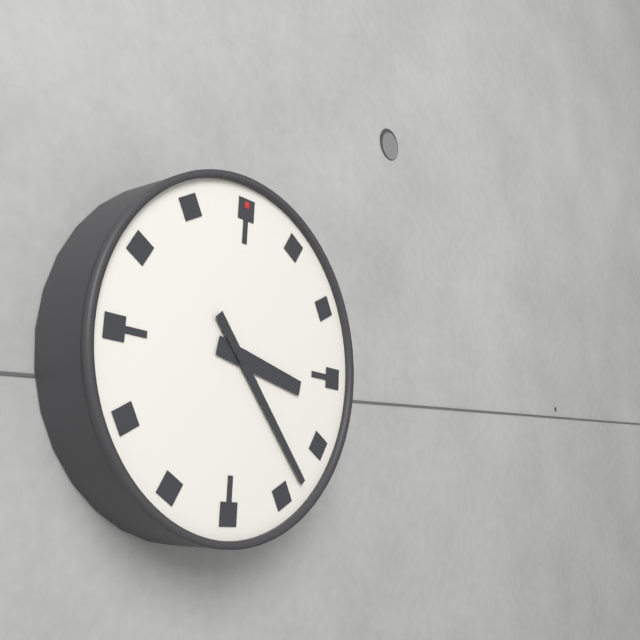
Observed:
3.23
